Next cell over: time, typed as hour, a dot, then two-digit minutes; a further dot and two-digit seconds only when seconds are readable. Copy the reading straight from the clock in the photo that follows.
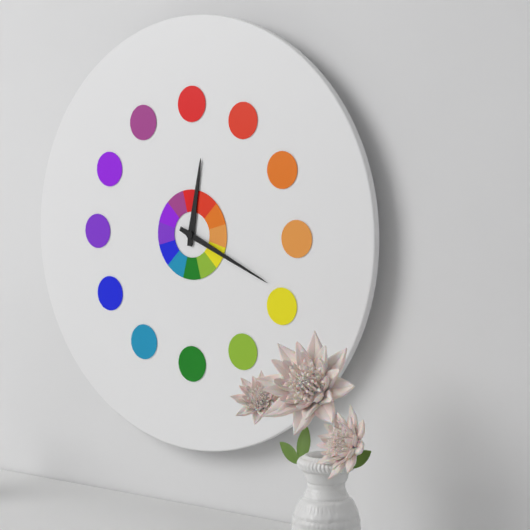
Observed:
12.19
